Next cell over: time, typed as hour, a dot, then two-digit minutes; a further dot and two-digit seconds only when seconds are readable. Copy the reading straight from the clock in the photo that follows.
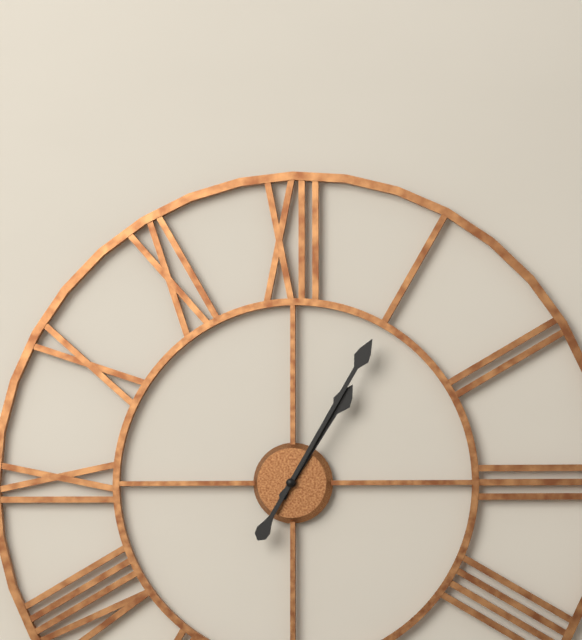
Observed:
1.05
